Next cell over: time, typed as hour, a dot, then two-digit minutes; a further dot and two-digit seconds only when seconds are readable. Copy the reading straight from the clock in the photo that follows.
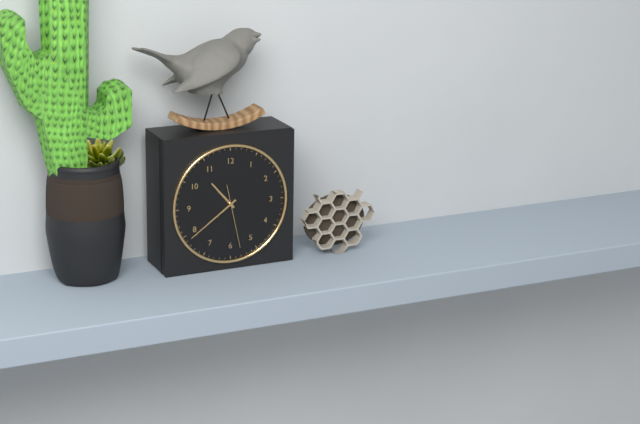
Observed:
10.39.28
